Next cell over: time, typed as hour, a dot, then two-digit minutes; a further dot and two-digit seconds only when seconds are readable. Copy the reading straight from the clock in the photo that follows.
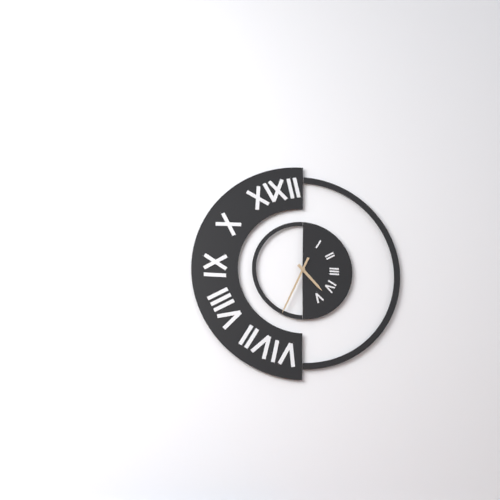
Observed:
4.34
